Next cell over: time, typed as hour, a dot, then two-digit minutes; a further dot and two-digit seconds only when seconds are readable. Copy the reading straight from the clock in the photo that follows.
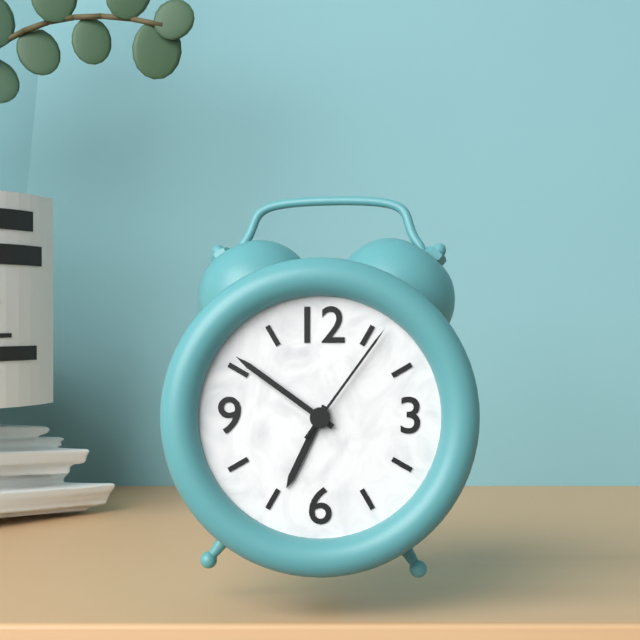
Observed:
6.51.06
